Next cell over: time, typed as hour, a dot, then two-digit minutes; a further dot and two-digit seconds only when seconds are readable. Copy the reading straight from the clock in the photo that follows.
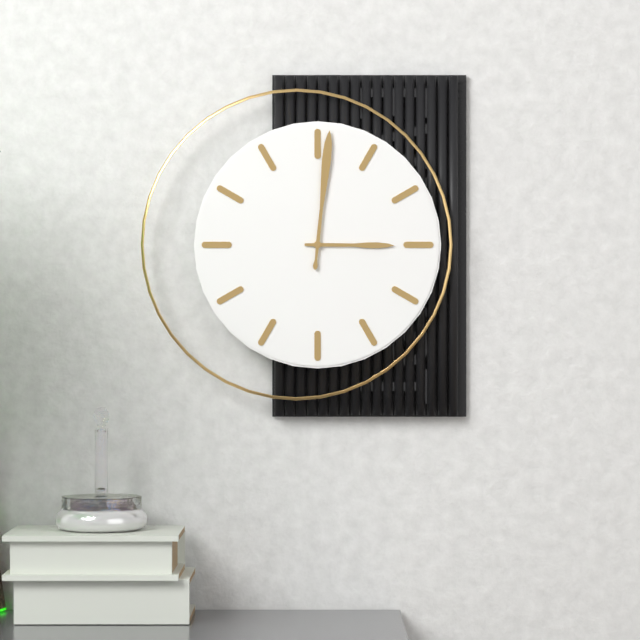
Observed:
3.01
